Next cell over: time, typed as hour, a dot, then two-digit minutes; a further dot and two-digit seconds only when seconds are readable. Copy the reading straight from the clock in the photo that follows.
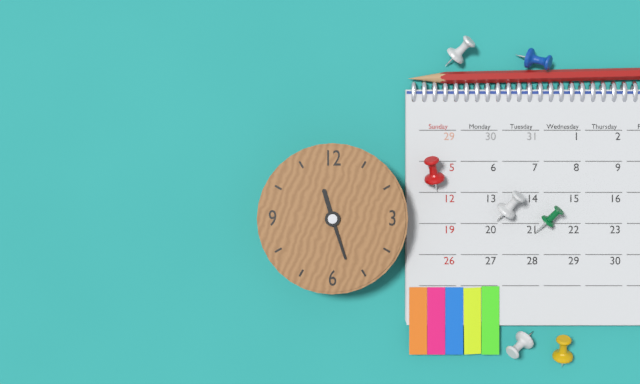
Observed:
11.27
